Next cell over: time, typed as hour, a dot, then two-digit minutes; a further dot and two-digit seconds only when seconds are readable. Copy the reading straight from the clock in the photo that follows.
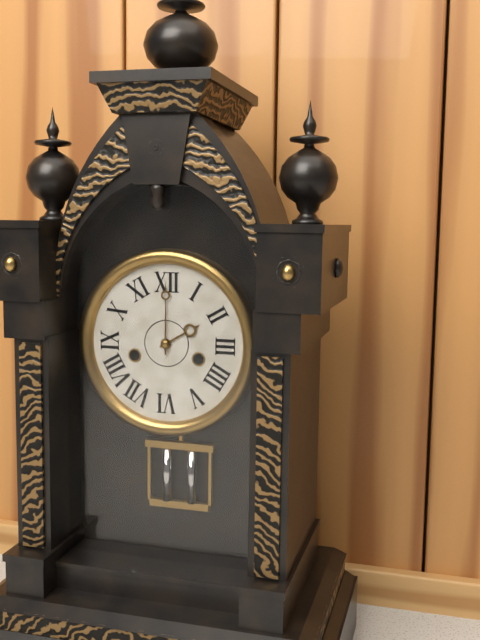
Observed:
2.00
